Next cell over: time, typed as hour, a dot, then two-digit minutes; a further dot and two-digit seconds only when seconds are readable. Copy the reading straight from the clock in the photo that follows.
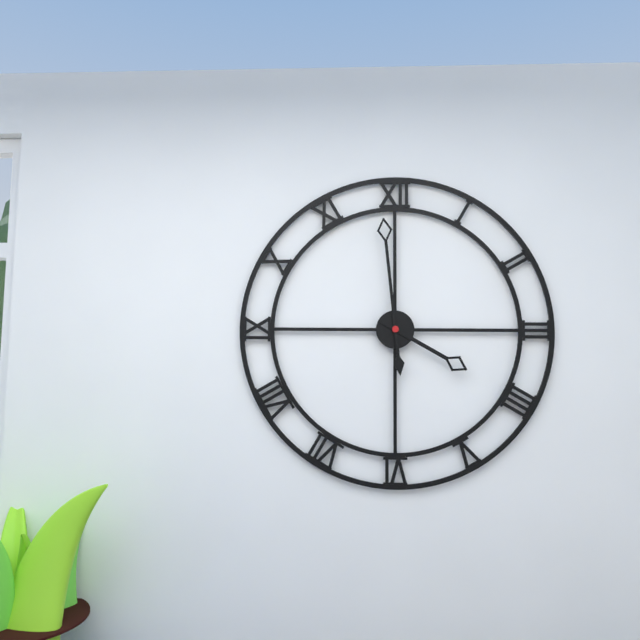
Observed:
3.59
